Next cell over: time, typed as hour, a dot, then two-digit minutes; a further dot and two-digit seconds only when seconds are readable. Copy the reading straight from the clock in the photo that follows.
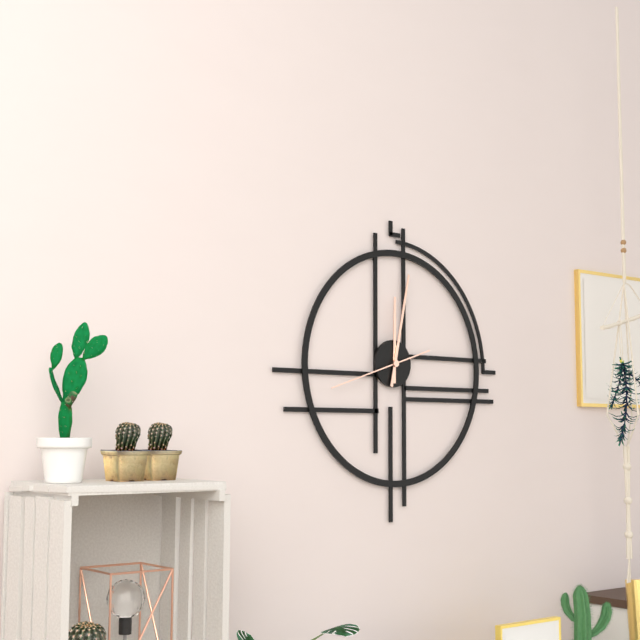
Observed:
12.02.42
